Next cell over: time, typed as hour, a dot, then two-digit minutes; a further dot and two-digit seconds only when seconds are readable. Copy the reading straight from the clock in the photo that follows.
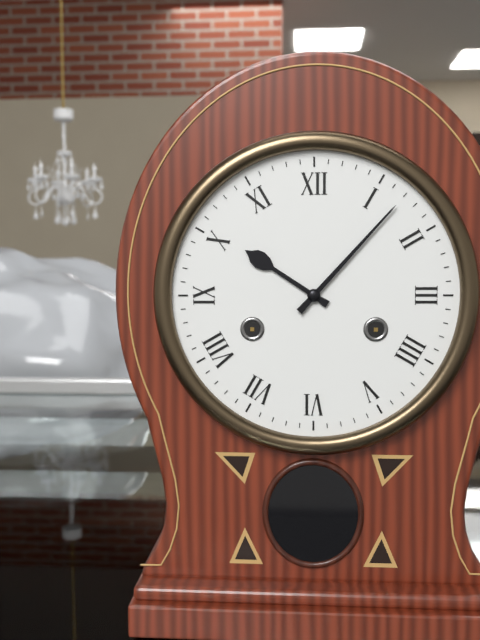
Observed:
10.07
